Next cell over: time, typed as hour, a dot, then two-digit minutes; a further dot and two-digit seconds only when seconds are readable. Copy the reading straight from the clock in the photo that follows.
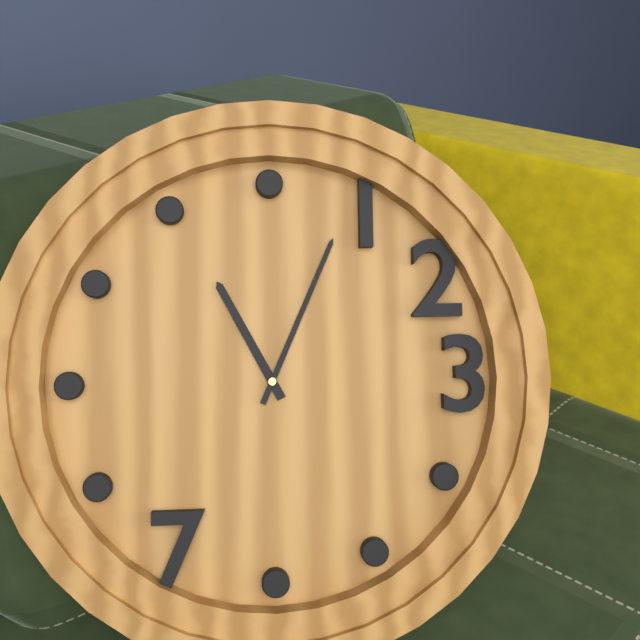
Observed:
11.04
